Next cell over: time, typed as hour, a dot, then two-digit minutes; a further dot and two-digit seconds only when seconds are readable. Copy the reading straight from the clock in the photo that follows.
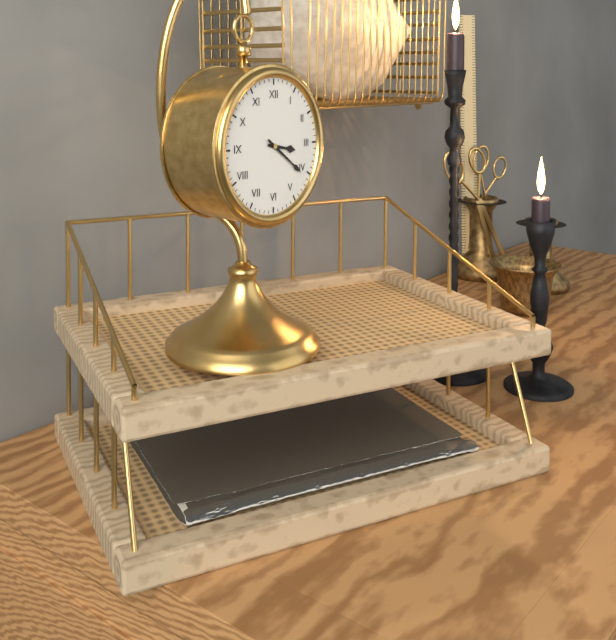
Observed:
3.21
